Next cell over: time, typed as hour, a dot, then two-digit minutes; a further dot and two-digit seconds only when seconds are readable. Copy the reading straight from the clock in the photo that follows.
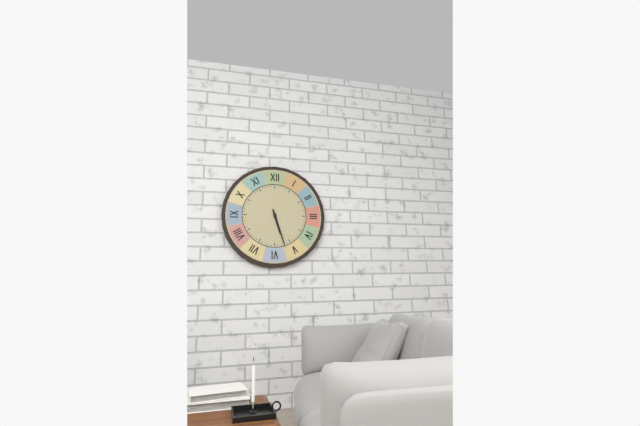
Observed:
5.27
